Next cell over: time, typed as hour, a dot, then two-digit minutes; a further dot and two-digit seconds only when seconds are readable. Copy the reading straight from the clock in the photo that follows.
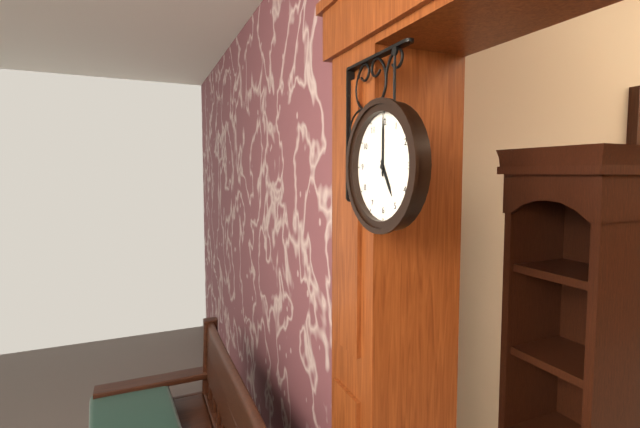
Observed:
5.00
